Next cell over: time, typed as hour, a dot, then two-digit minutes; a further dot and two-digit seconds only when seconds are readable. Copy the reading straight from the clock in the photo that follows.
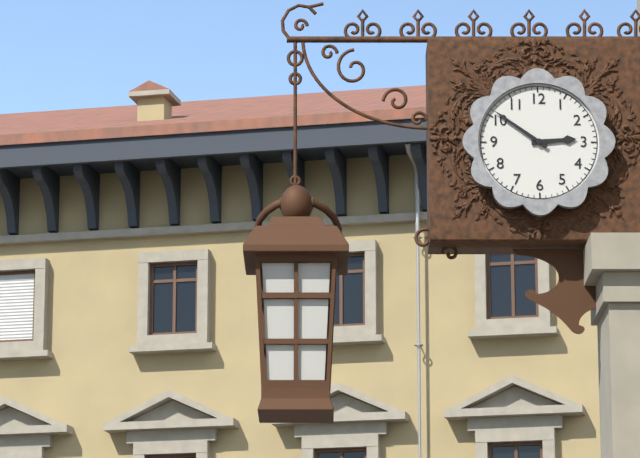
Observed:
2.51
